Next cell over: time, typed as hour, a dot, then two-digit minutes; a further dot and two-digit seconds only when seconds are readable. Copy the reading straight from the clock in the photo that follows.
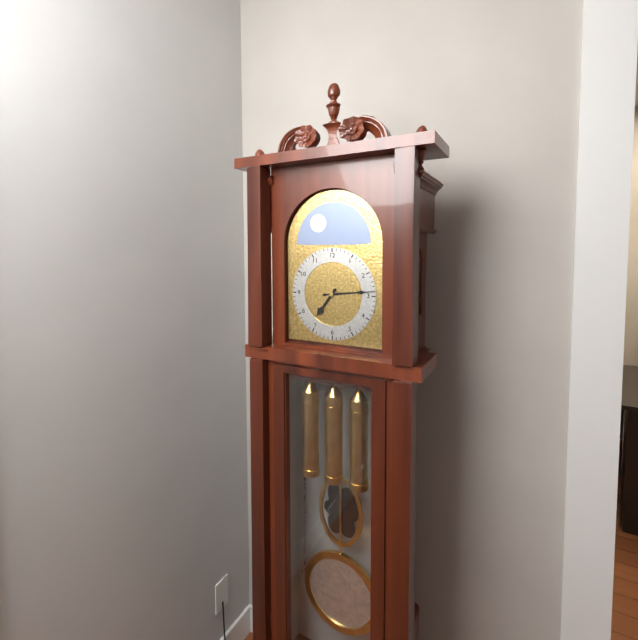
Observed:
7.14
